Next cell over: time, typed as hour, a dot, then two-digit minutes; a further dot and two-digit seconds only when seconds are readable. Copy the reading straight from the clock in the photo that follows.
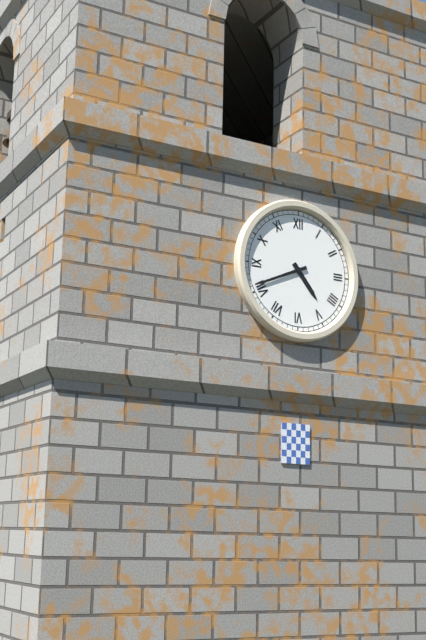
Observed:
4.41
